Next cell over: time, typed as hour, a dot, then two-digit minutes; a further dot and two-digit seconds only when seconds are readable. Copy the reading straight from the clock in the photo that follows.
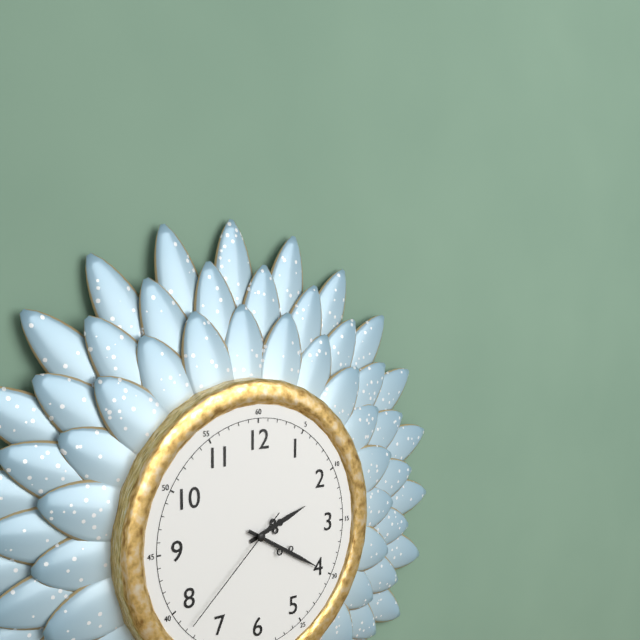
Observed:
2.20.38
